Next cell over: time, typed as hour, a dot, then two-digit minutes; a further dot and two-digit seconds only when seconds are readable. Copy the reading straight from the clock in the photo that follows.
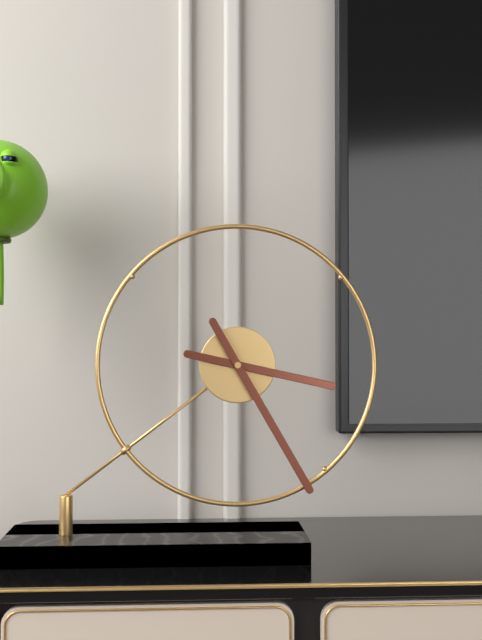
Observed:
3.25
